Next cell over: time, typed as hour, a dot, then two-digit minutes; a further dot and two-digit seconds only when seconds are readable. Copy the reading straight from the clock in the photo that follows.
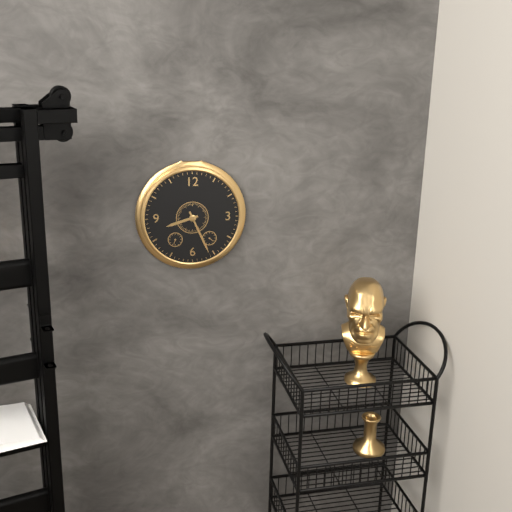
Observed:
8.26
